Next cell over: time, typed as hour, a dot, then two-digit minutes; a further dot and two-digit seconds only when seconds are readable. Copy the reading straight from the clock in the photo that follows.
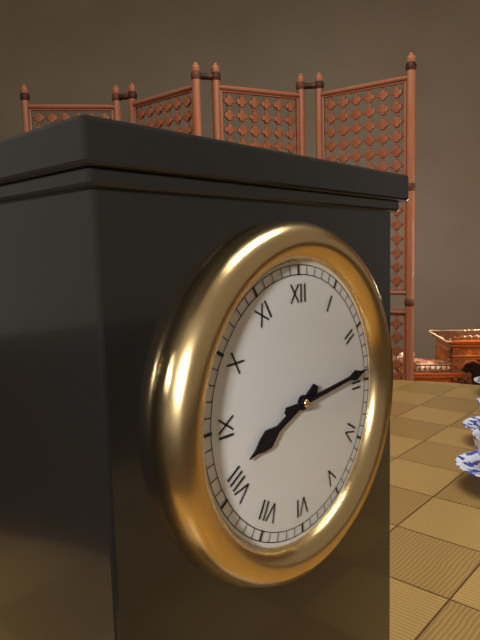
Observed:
8.14
